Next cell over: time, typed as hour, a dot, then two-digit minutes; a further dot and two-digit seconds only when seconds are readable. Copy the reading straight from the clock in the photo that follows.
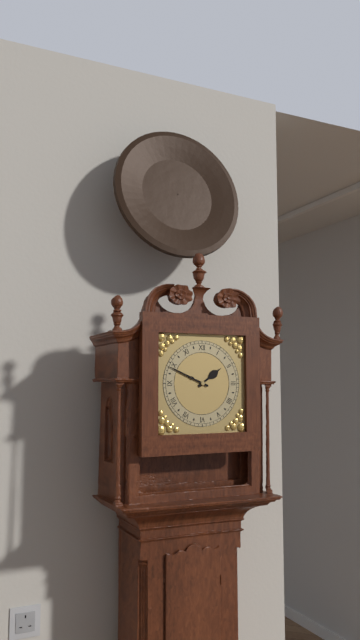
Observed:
1.49
